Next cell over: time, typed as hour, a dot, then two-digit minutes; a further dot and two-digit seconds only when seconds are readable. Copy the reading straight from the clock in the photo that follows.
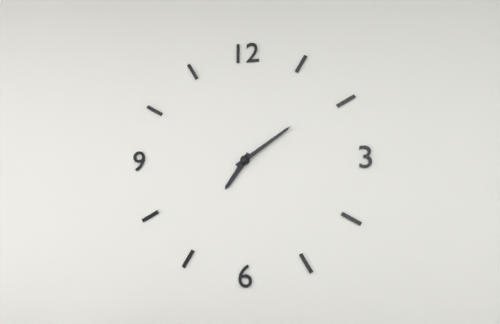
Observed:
7.09
